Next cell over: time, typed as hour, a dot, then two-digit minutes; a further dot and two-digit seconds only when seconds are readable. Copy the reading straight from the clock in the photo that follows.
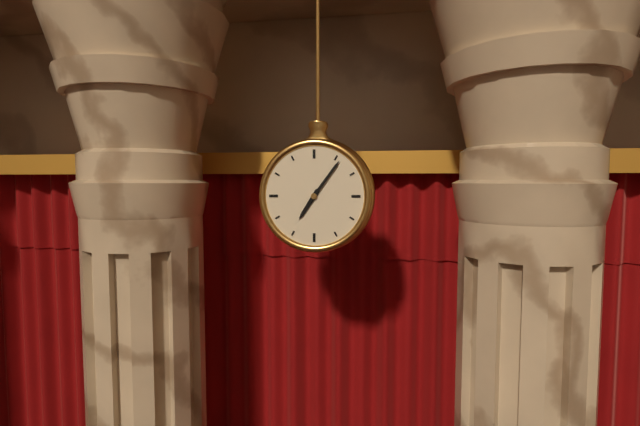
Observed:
7.06
